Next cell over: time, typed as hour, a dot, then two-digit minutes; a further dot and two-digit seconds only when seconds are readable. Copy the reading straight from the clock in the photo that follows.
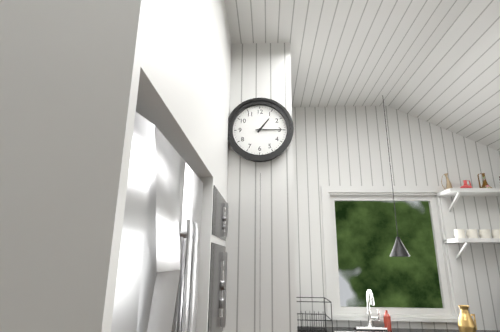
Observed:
1.15
